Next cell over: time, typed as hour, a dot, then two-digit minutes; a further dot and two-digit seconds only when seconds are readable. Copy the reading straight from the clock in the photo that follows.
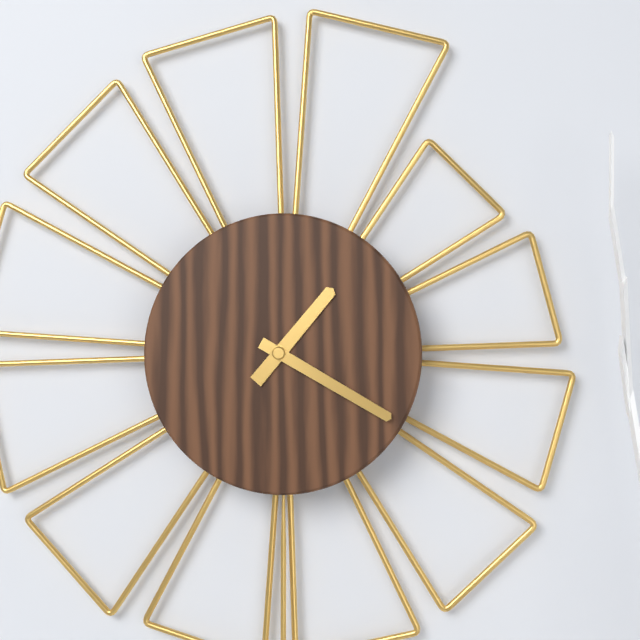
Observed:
1.20
